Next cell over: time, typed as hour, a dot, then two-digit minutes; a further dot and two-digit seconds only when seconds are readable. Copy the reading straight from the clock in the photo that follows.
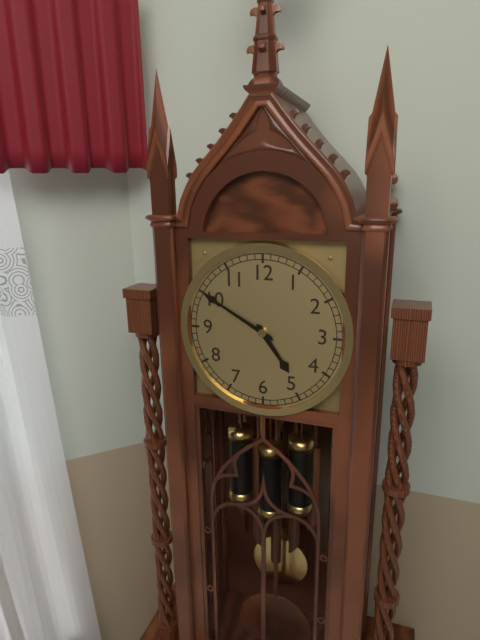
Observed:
4.50
